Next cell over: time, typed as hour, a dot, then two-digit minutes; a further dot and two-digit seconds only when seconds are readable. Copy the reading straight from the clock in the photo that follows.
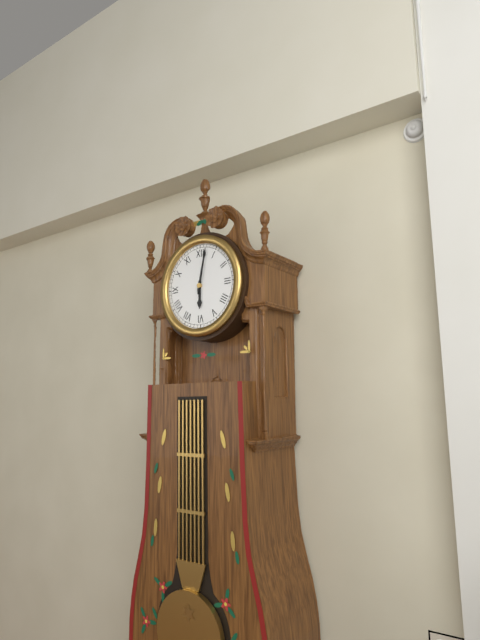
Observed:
6.02
